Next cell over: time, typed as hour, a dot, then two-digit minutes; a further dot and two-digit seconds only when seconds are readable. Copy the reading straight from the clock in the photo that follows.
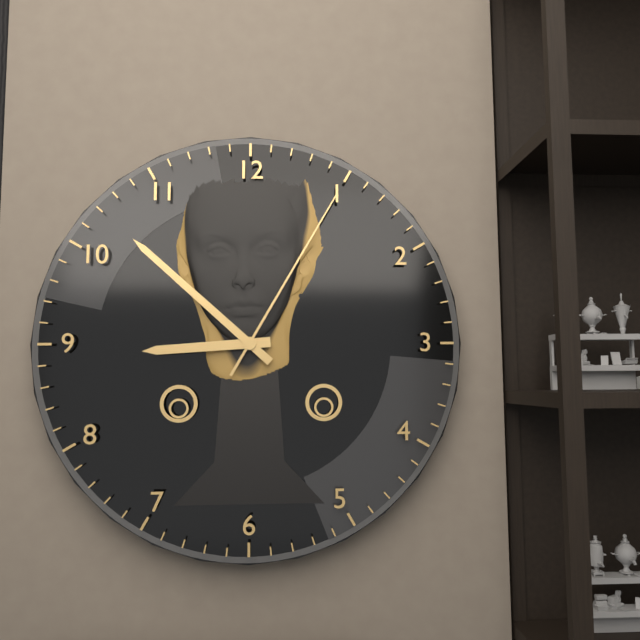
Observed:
8.52.05
